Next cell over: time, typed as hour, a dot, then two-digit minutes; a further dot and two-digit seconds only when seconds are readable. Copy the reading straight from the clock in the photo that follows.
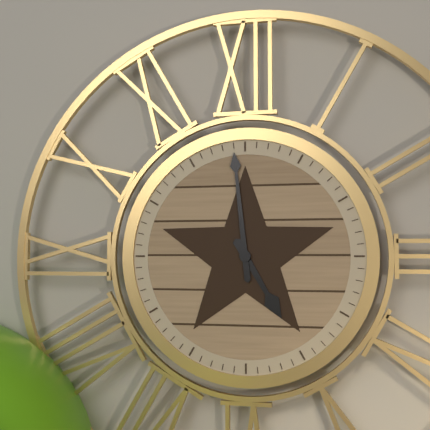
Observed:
4.59
